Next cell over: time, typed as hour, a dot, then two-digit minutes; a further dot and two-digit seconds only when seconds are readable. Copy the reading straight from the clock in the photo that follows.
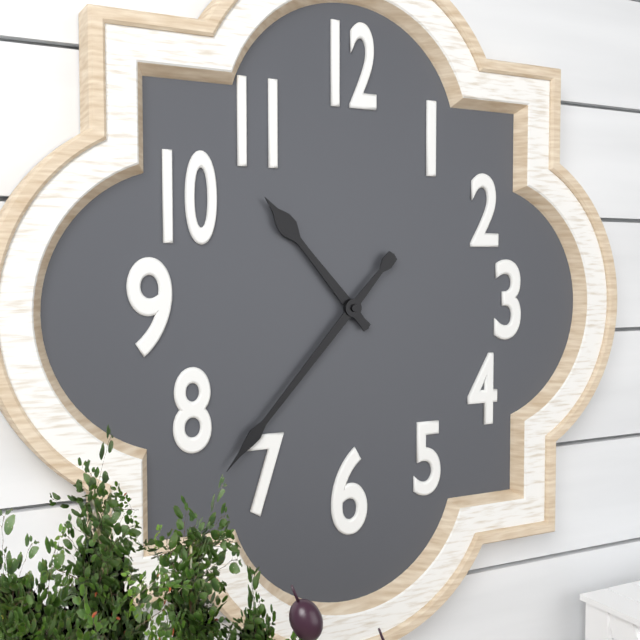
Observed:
10.37
